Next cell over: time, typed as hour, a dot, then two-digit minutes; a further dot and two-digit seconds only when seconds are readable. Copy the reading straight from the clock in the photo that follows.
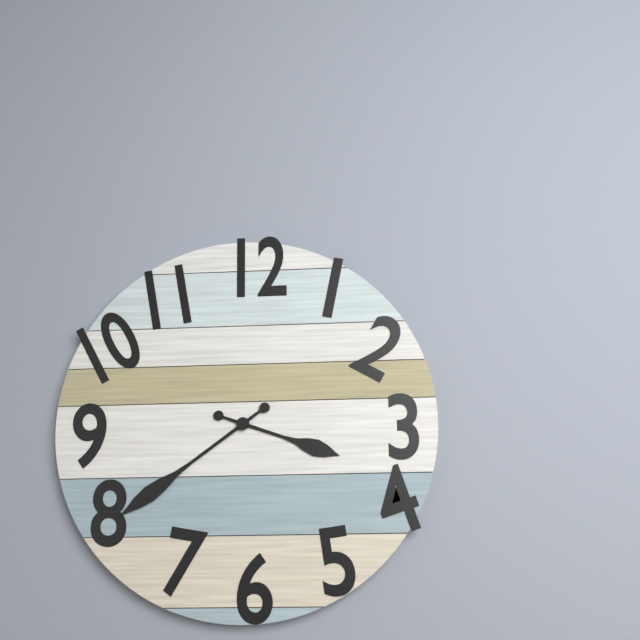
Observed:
3.39
